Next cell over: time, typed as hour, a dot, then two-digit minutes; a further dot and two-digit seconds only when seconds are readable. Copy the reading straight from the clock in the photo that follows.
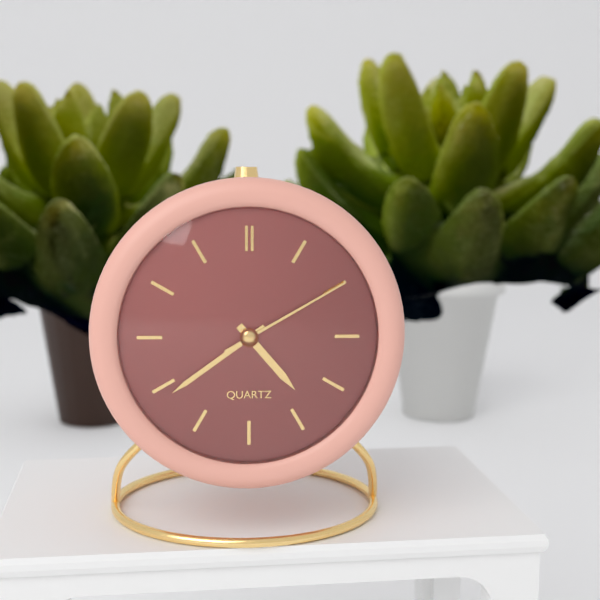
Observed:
4.39.10
